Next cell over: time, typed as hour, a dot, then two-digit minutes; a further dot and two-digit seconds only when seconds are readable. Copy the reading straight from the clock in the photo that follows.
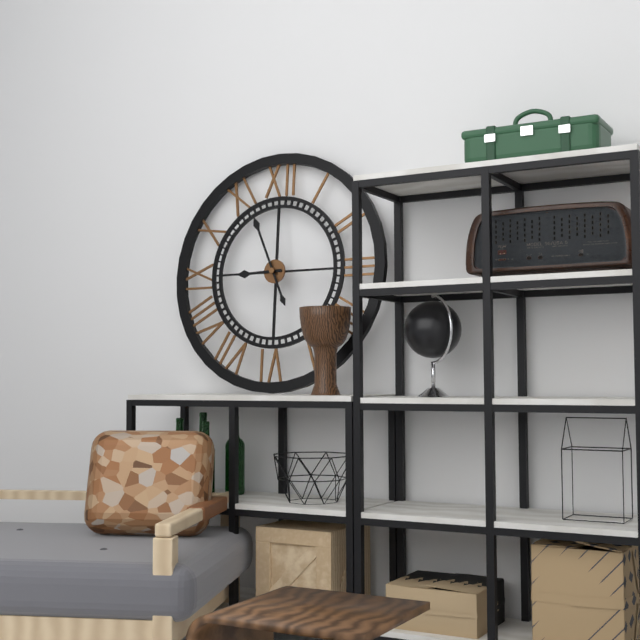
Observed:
8.56
